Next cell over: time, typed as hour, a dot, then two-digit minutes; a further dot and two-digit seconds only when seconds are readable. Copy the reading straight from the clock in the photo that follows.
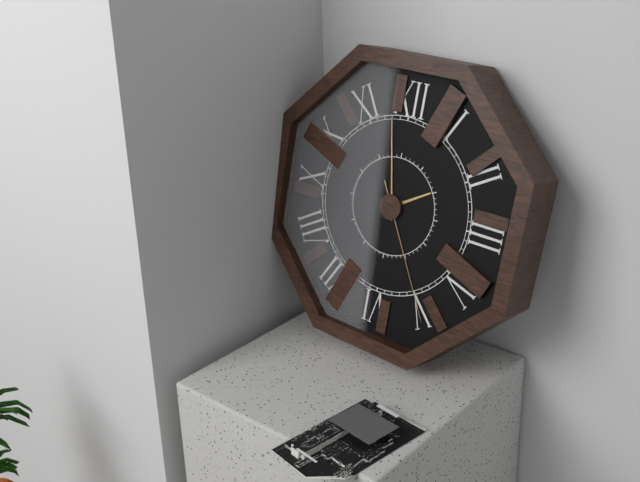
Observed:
1.58.25
